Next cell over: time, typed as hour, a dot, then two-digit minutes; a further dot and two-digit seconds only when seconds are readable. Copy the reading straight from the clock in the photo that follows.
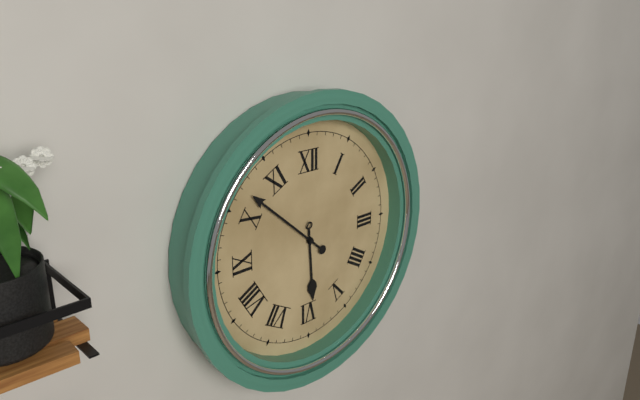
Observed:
5.52
